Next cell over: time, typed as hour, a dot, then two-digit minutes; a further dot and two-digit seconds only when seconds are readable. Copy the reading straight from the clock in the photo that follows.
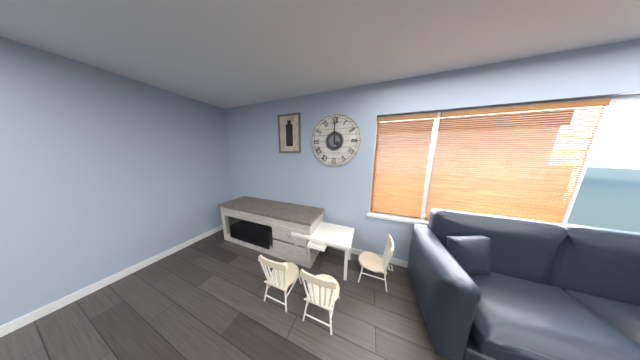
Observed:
12.00
